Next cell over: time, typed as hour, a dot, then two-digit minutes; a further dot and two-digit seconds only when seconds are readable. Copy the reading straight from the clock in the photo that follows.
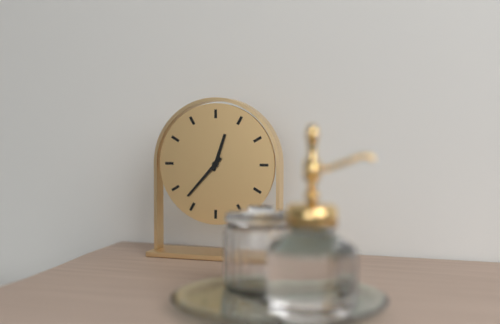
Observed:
12.37
